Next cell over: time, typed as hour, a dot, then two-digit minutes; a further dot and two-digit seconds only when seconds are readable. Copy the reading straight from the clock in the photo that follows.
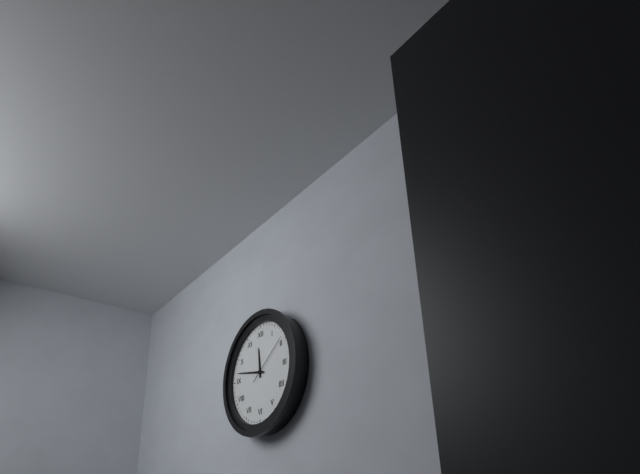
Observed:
11.47.09
